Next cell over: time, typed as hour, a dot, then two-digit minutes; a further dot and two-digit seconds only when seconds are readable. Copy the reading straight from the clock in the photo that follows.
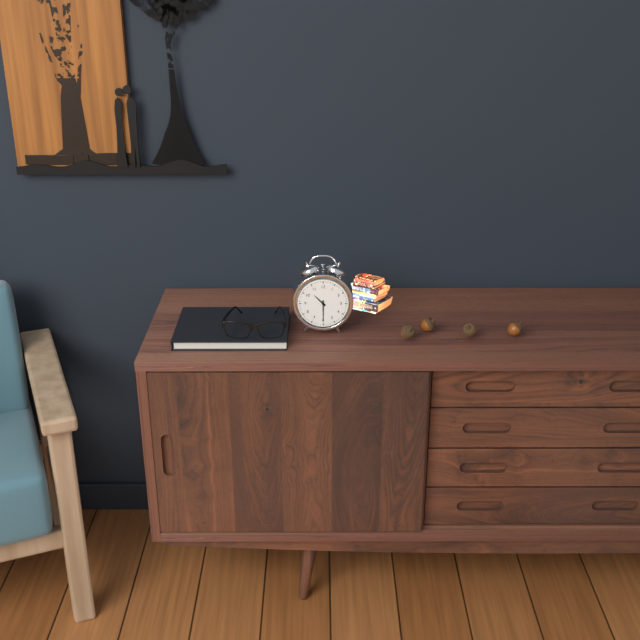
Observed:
10.30
